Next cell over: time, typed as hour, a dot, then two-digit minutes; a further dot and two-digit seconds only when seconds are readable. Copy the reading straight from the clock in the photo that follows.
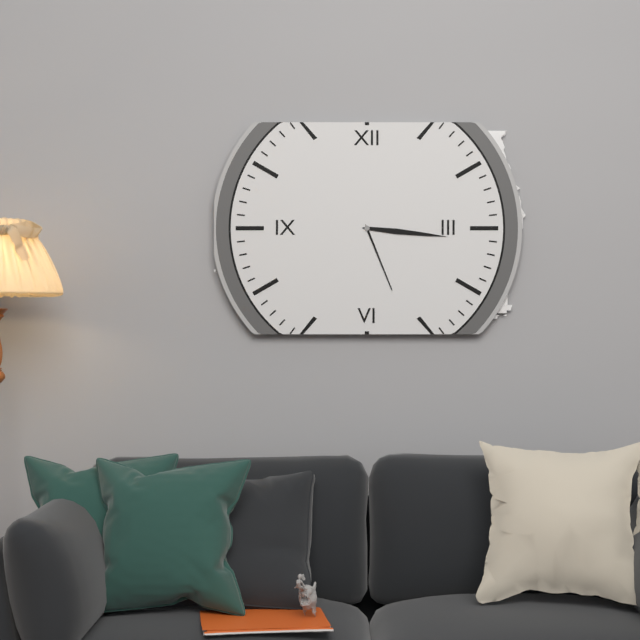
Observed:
5.16
